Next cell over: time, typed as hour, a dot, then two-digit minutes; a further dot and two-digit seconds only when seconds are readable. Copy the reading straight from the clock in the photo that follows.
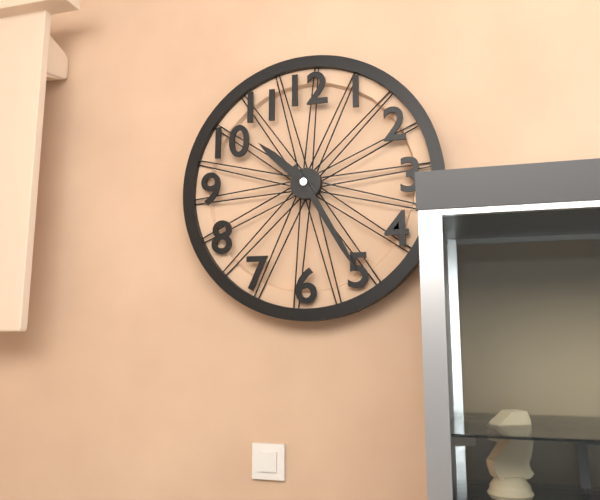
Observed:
10.25
